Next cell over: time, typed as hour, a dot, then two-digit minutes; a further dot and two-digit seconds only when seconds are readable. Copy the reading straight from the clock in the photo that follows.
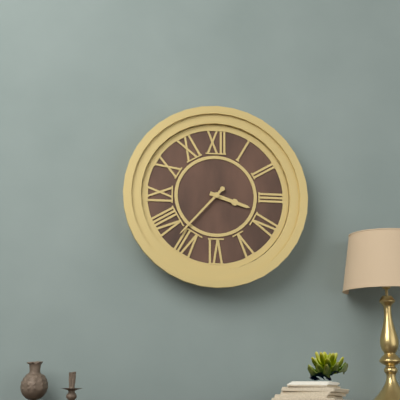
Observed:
3.37
